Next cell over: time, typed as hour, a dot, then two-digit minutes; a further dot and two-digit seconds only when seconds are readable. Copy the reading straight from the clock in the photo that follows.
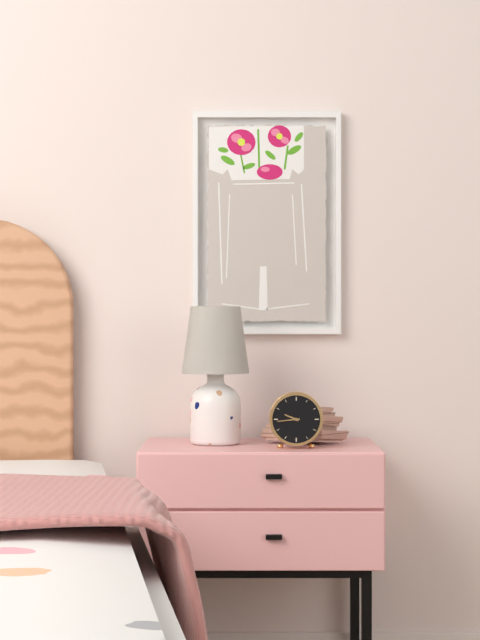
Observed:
9.44
